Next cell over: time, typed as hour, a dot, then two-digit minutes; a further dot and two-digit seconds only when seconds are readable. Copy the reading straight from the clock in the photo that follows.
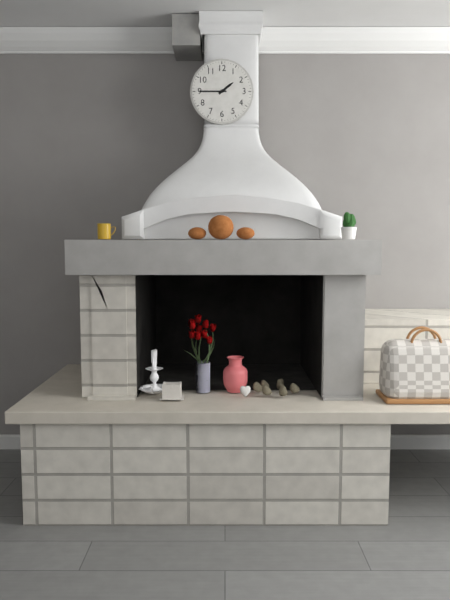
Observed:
1.45
